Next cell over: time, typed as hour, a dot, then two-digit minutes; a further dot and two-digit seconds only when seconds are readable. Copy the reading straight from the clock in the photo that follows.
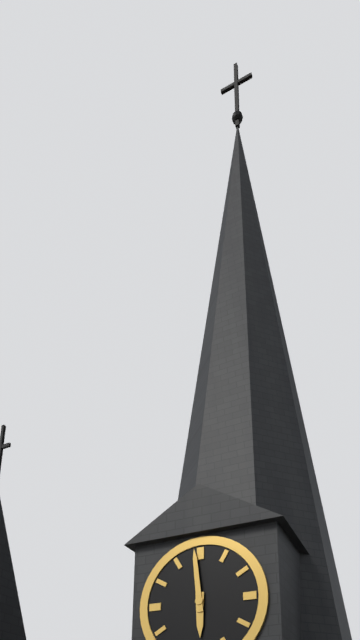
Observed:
5.59
